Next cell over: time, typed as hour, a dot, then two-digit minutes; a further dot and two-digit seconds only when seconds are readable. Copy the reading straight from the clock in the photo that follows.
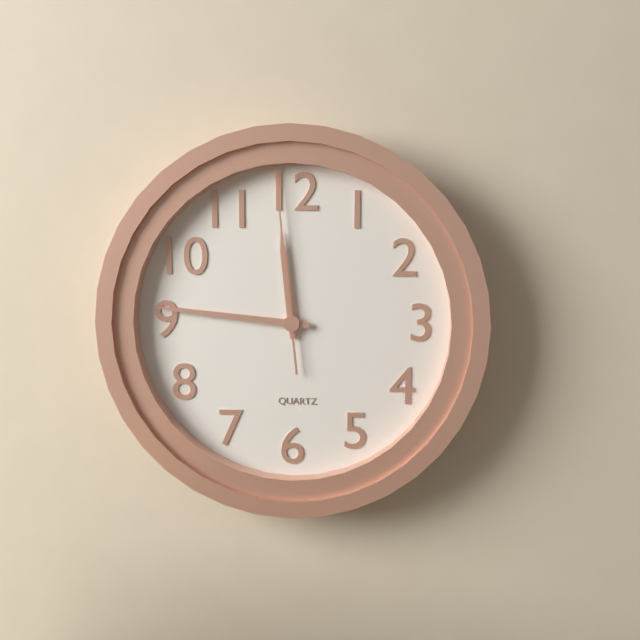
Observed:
11.46.59
